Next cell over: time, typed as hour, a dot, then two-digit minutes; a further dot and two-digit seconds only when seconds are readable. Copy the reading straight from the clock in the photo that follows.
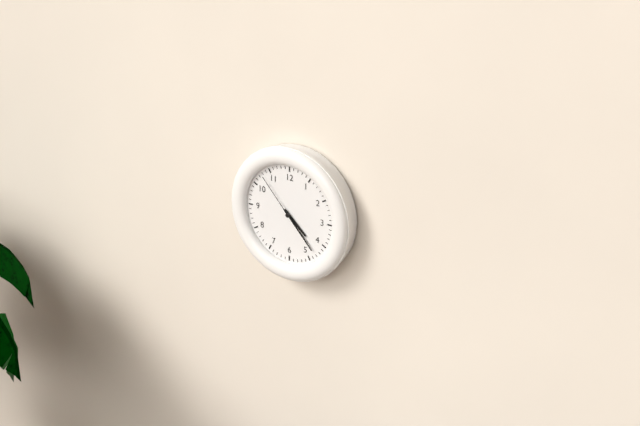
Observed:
4.23.53
